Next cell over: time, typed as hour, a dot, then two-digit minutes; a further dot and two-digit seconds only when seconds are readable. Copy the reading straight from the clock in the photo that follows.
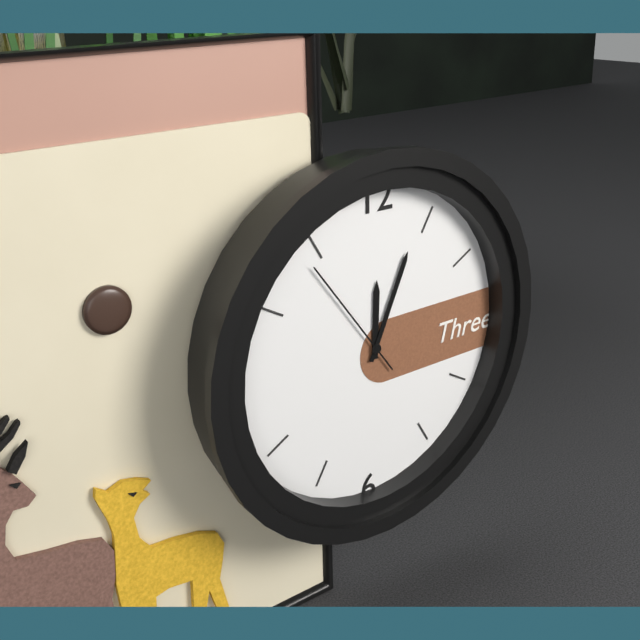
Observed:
12.04.54
